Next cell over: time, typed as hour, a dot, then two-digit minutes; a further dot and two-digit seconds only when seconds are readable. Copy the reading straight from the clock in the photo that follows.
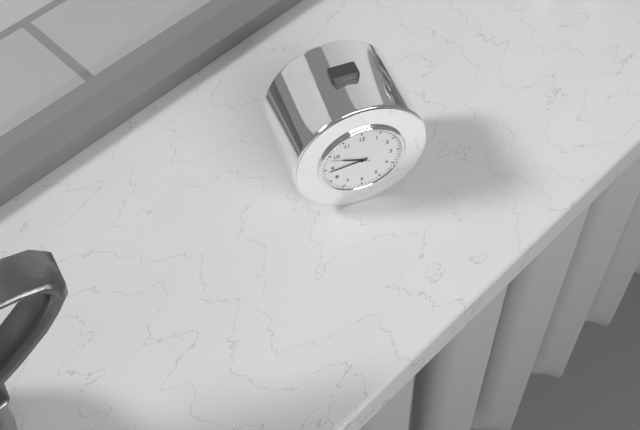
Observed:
9.44
